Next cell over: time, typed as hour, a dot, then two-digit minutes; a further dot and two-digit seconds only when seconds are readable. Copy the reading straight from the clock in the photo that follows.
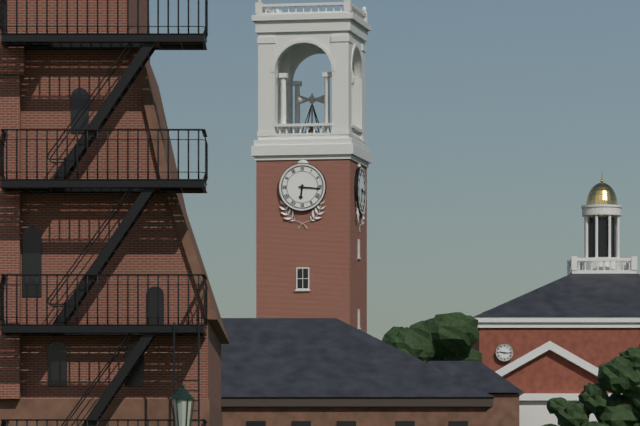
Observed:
6.16
